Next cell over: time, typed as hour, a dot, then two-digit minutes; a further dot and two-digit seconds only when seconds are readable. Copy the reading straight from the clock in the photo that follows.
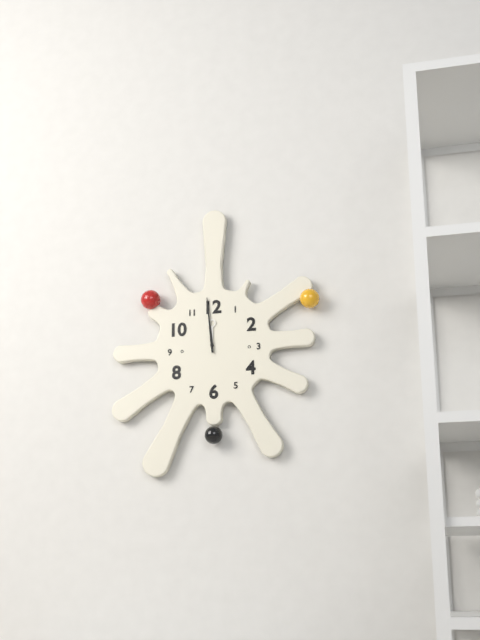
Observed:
11.59
